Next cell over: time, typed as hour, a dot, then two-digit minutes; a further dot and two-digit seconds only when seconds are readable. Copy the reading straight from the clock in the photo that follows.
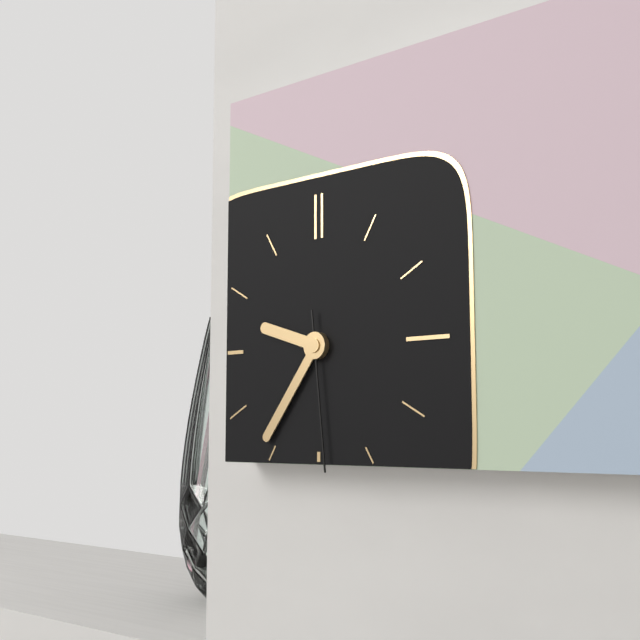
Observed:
9.36.29
